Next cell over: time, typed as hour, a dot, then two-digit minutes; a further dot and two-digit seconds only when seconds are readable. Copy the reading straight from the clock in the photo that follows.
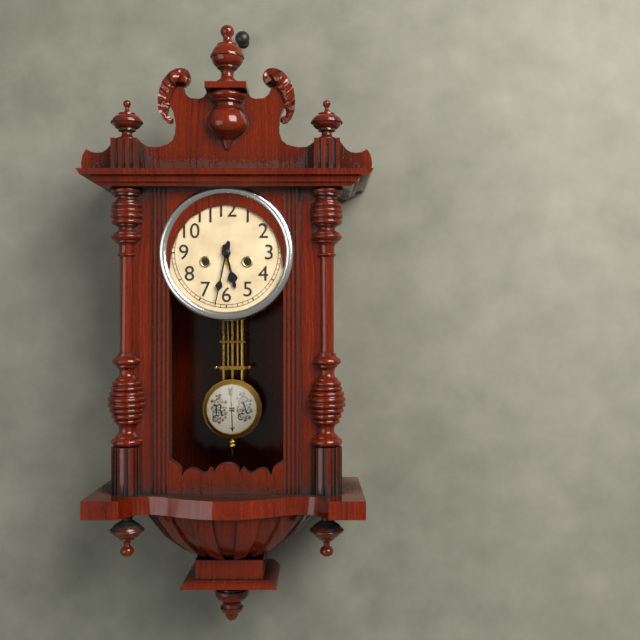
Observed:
5.32
